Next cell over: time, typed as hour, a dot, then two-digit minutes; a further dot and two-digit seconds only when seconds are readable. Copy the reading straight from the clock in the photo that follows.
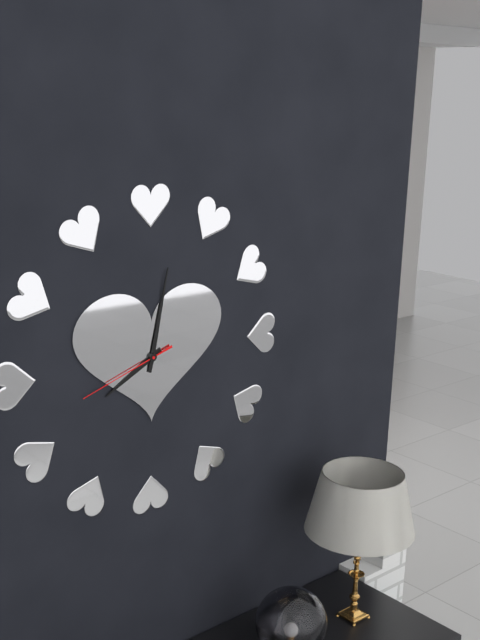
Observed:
8.02.42
